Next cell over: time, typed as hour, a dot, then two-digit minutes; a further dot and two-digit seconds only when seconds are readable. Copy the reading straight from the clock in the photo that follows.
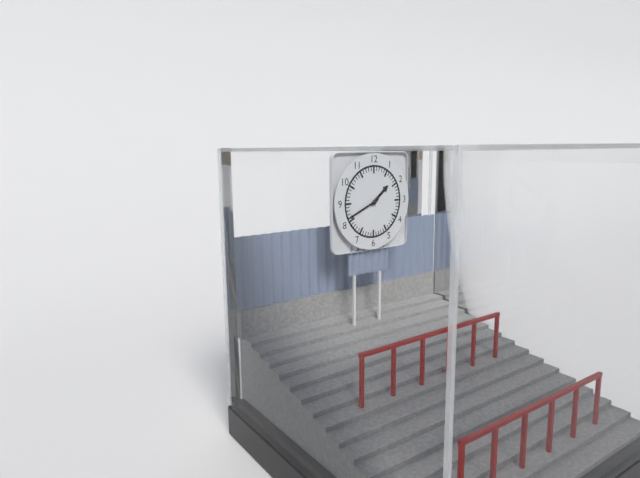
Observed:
1.41
